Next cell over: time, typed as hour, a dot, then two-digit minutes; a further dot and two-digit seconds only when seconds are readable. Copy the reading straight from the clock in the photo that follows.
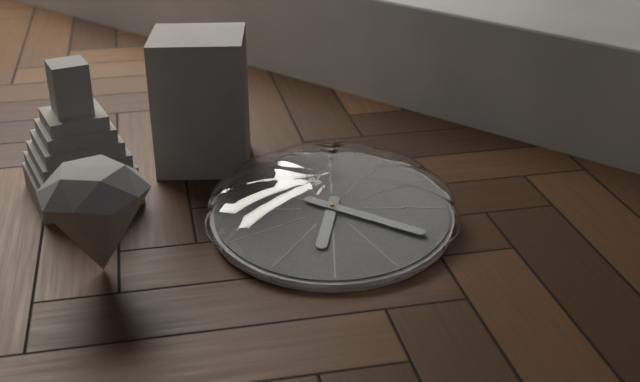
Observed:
6.20
